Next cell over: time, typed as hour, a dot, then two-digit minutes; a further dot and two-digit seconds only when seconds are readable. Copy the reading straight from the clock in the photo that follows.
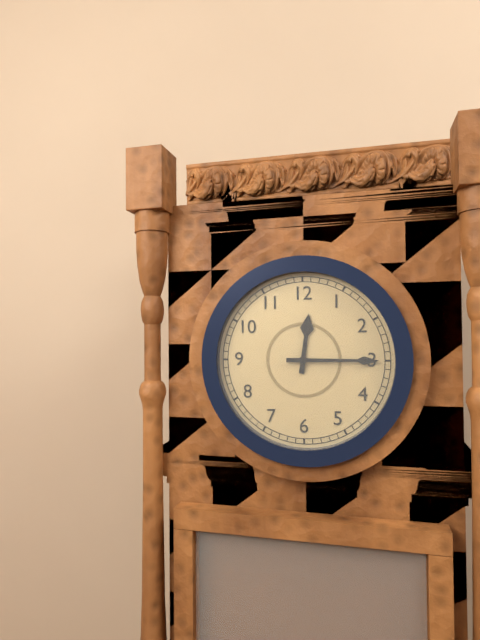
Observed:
12.15
